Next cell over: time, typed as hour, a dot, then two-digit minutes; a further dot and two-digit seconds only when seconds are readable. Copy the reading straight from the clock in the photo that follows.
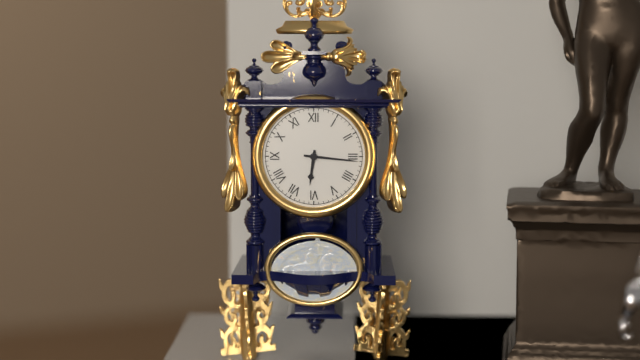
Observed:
6.16
